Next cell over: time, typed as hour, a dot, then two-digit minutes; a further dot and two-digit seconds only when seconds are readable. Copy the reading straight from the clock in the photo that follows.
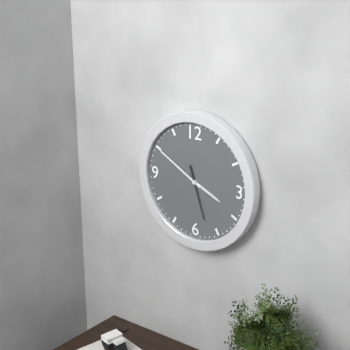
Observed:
3.50
